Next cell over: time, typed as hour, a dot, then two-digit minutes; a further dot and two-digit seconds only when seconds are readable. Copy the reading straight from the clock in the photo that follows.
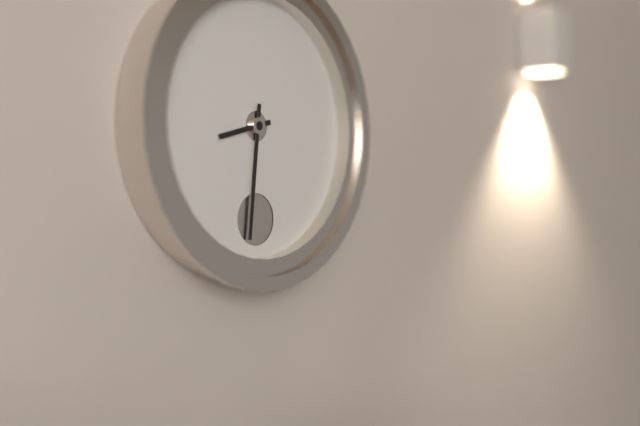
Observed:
8.31
